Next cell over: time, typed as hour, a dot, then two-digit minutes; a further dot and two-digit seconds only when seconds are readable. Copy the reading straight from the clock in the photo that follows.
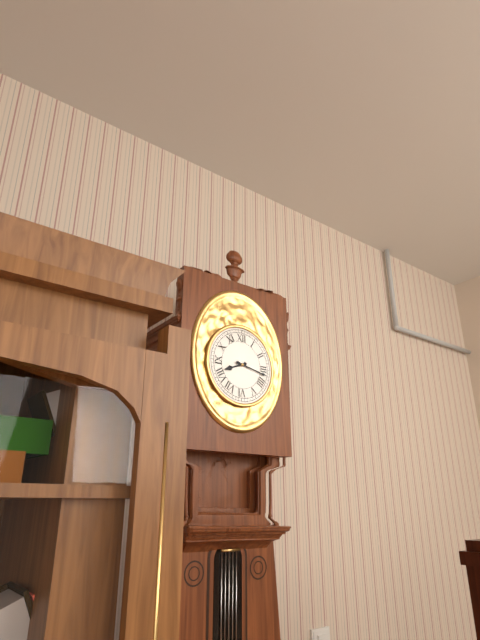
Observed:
8.17
